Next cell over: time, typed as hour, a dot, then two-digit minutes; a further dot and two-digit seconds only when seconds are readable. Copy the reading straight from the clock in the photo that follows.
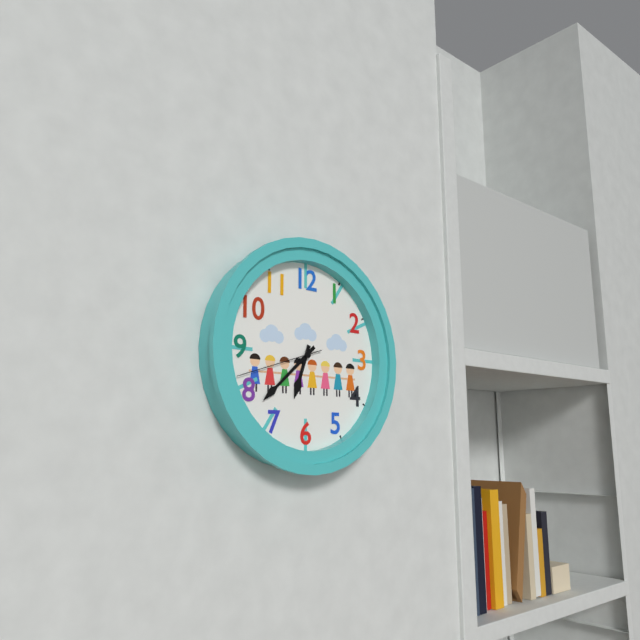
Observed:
6.38.42
